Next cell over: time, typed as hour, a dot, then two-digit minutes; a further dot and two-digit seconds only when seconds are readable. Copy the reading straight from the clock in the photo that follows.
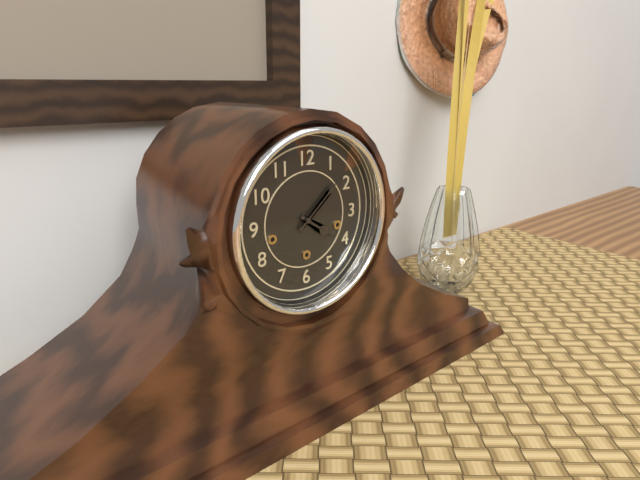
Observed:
4.08
